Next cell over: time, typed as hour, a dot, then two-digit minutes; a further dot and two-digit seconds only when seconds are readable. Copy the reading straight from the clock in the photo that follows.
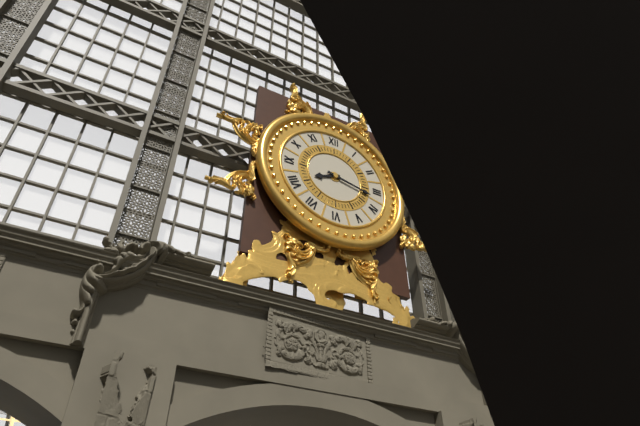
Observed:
8.17
